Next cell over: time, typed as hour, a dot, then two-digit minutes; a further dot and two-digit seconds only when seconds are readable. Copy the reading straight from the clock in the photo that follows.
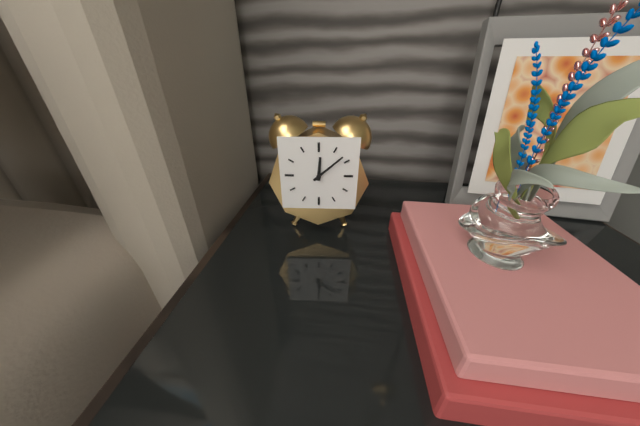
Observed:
12.08
